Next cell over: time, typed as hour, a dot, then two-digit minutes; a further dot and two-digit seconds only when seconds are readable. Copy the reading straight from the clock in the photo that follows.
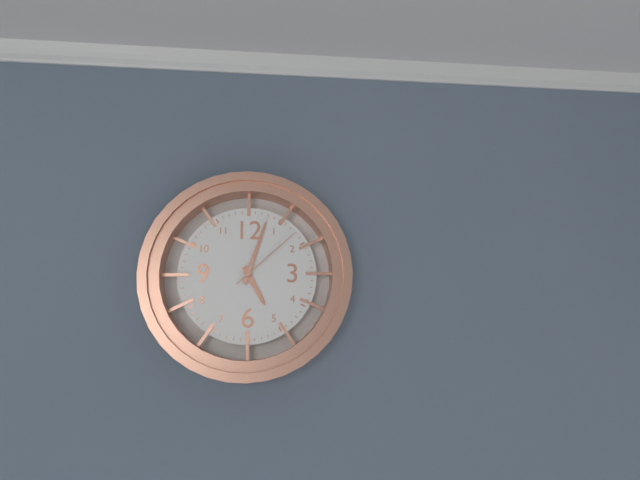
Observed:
5.03.08
